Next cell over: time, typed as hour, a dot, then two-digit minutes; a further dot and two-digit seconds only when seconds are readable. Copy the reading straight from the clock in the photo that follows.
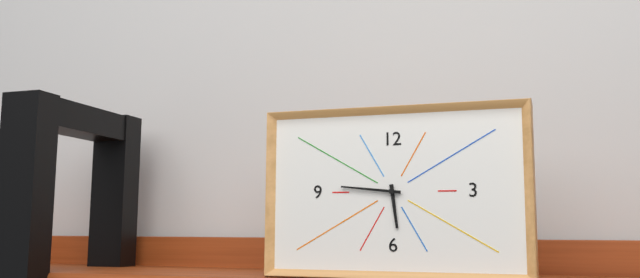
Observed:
5.46
